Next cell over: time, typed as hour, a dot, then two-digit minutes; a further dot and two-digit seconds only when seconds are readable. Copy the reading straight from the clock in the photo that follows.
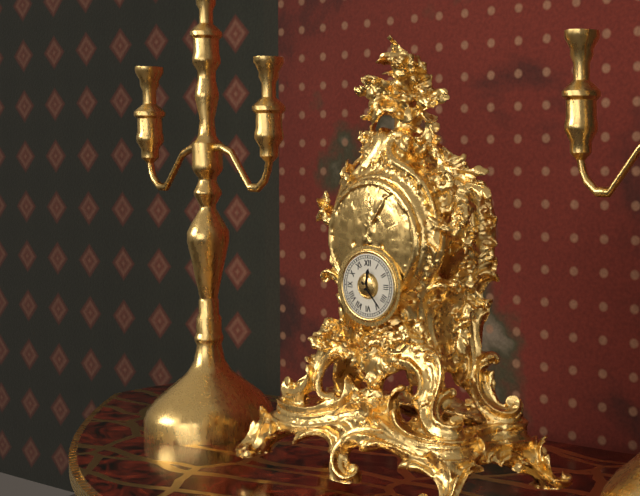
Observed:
12.23
